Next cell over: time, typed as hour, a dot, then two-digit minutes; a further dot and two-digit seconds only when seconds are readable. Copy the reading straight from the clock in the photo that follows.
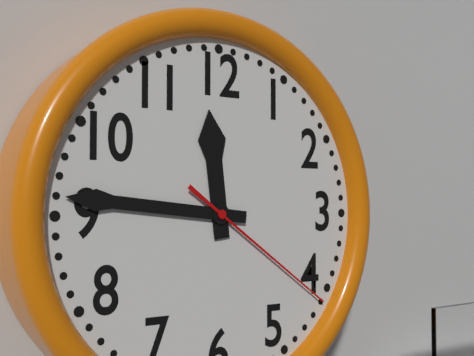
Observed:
11.46.21
